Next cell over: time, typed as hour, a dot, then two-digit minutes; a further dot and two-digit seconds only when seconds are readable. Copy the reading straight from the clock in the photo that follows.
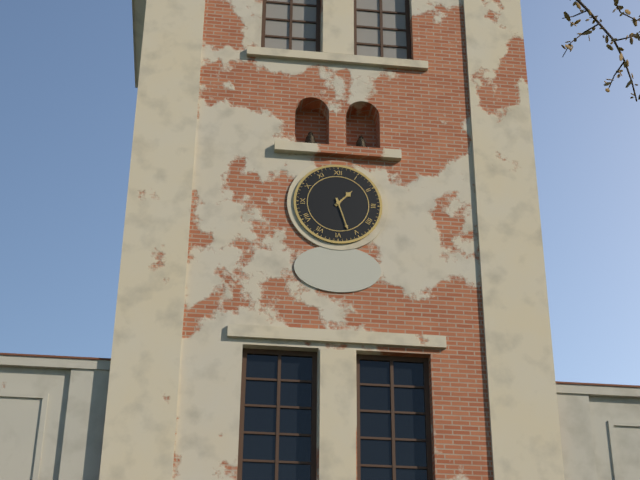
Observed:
1.27
